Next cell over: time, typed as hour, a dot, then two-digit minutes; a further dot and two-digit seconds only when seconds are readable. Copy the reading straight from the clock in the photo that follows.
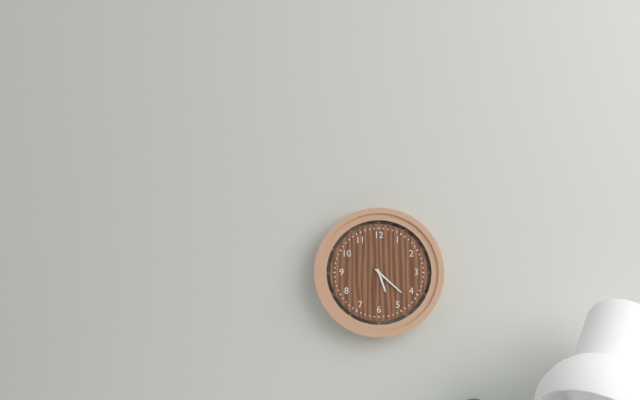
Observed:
5.22
